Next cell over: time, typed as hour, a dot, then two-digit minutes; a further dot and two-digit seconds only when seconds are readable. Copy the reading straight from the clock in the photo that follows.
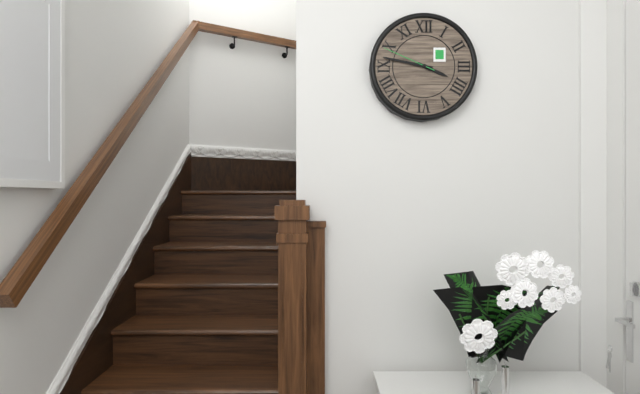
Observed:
3.47.49
